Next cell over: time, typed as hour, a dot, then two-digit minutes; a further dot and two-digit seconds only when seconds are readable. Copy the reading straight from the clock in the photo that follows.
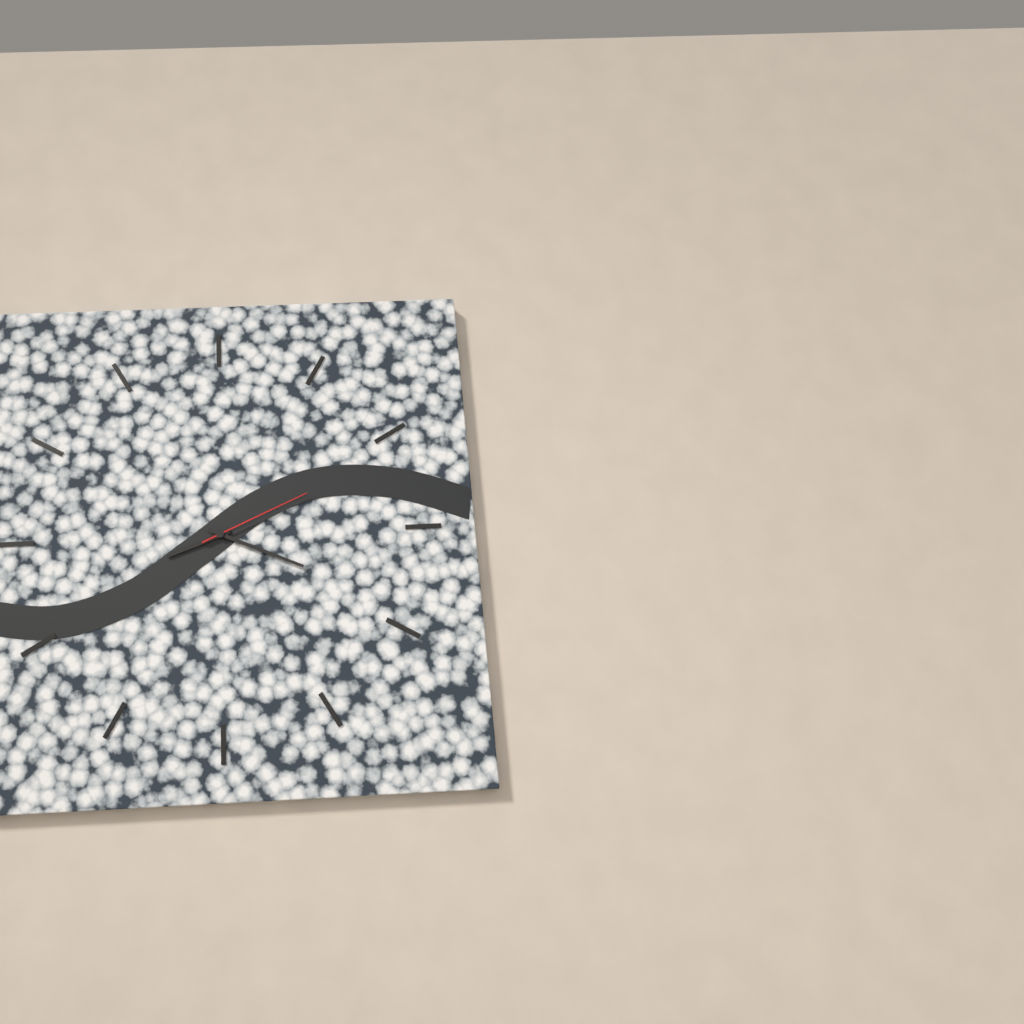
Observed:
8.19.11
